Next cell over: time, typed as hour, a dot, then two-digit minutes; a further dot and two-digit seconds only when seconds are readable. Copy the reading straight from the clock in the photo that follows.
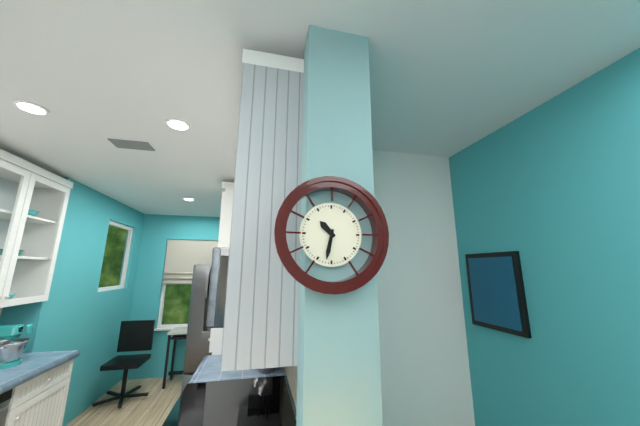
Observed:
10.32
